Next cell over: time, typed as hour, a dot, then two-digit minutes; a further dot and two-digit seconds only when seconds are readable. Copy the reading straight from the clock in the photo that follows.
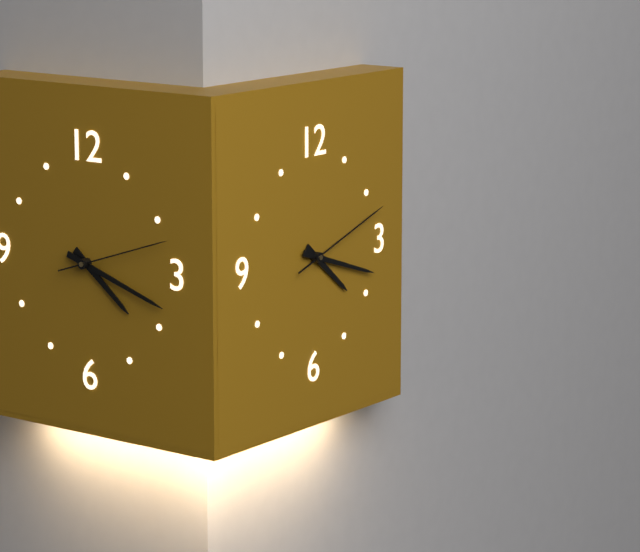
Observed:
4.18.12
